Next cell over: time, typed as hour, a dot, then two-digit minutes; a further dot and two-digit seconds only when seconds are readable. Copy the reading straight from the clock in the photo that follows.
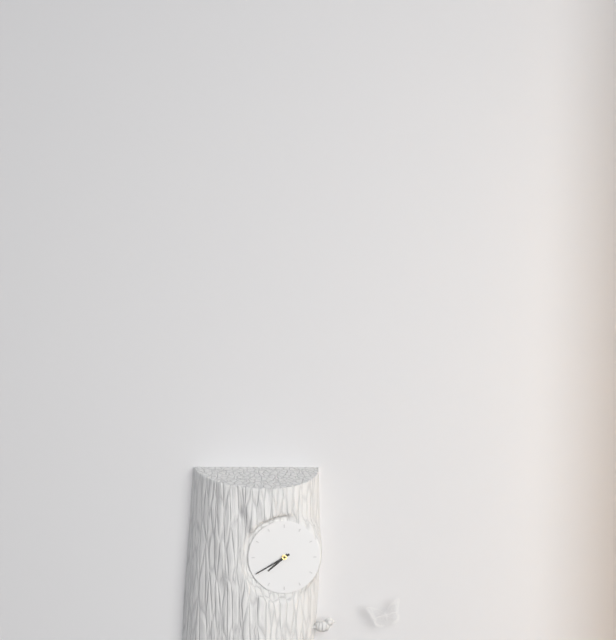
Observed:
7.40
